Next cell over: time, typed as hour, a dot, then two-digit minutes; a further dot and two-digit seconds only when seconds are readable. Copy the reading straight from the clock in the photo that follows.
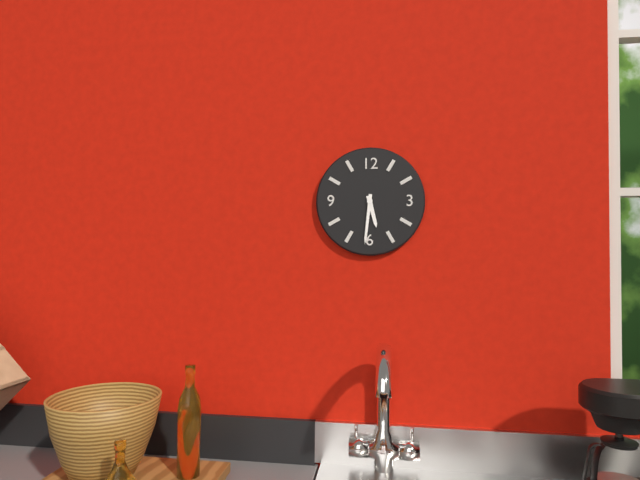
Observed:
5.31
